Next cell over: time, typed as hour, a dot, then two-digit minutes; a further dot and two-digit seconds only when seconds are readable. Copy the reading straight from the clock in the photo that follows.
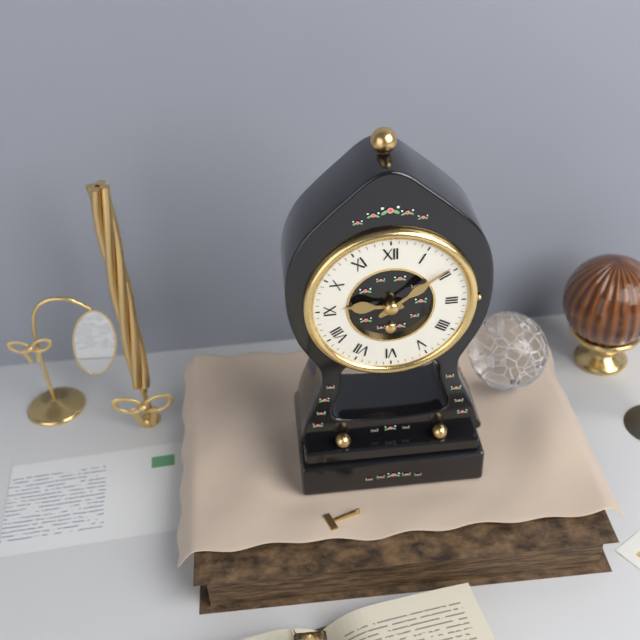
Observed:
9.09
